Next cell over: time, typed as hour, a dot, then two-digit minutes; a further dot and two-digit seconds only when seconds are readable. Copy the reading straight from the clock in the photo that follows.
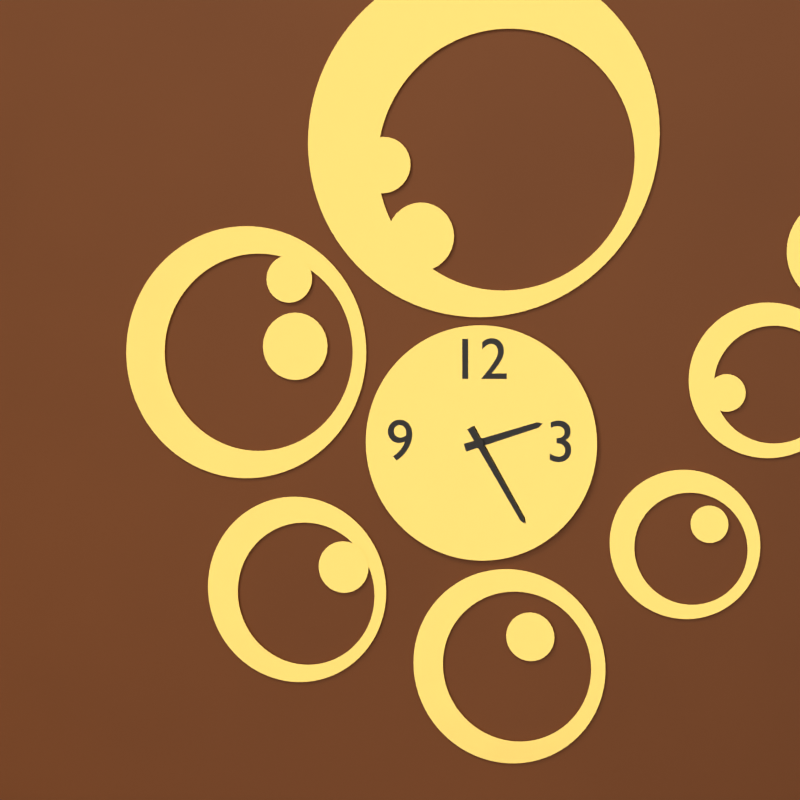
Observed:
2.25
